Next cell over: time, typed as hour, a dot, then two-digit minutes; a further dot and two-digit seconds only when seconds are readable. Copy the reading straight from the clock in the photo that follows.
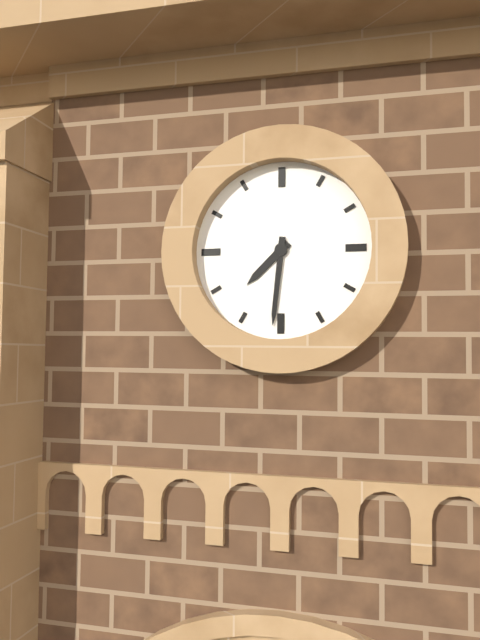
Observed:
7.31
